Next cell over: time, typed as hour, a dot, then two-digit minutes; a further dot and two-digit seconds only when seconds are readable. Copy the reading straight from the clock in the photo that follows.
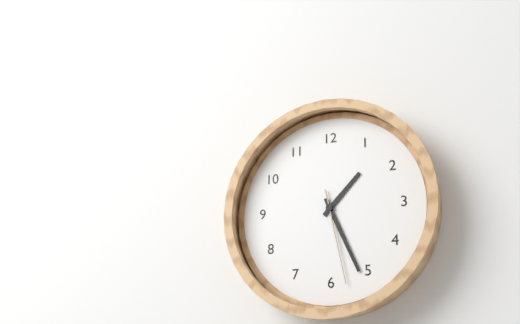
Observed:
1.26.28
